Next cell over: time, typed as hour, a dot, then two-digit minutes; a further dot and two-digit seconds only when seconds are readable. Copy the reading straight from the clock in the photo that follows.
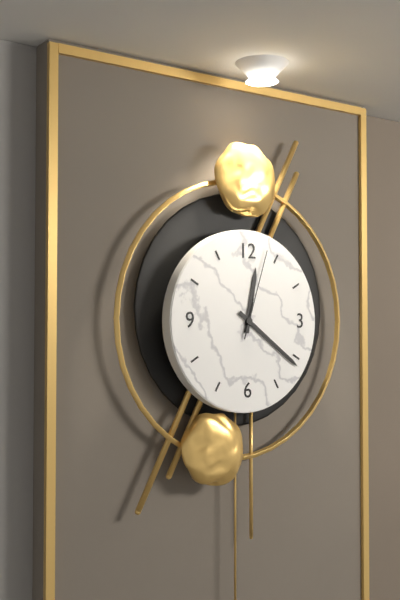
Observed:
12.21.03
